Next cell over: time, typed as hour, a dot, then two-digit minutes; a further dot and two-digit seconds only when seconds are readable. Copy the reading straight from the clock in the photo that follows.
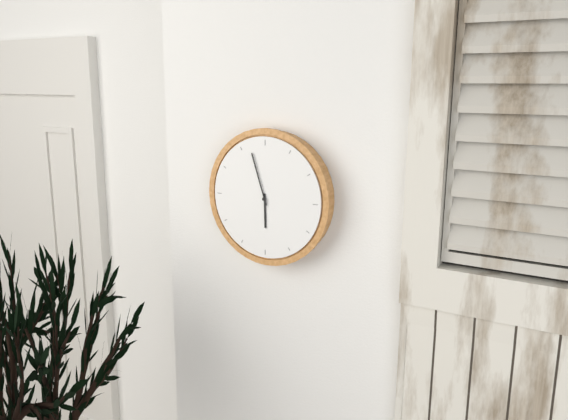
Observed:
5.57
